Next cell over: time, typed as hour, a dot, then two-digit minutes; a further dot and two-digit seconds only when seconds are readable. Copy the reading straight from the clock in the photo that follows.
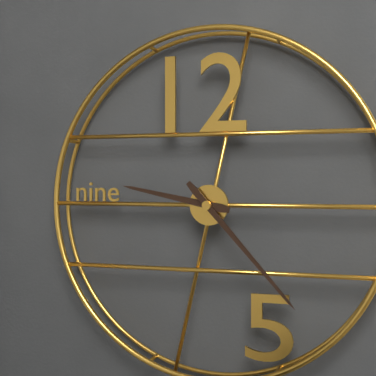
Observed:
9.23
